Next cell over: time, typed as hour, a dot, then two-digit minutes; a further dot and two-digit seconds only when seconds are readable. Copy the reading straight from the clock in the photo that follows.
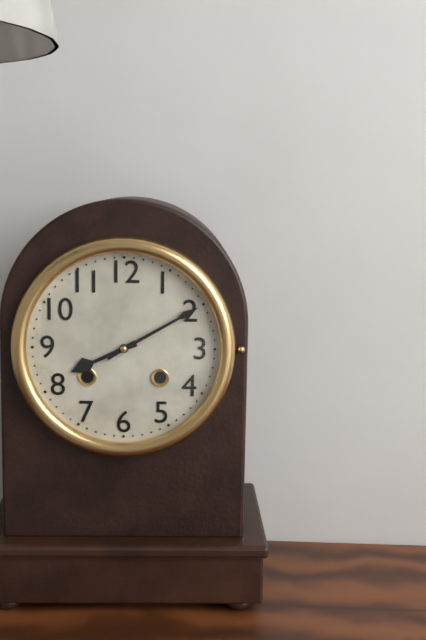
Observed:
8.10
